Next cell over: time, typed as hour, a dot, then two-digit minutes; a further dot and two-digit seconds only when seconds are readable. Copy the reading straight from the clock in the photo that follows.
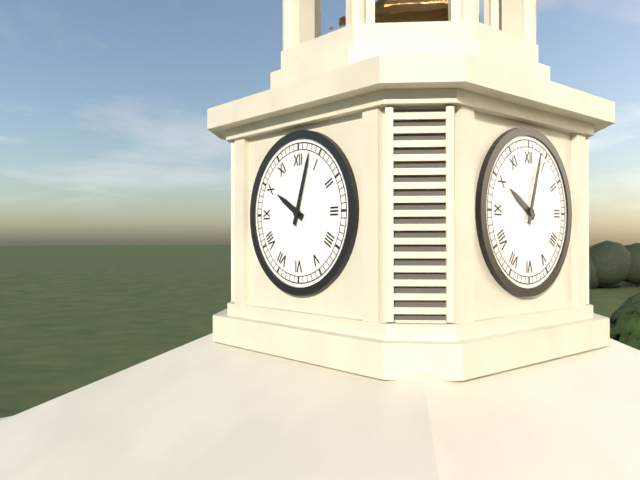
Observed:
10.03
